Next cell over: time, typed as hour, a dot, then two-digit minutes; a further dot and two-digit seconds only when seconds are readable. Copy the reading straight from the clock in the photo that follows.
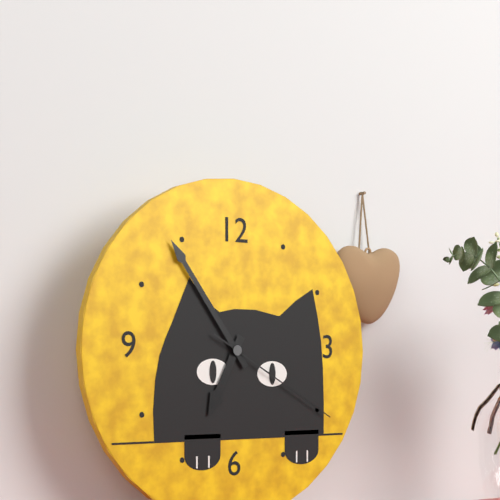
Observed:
6.54.20
